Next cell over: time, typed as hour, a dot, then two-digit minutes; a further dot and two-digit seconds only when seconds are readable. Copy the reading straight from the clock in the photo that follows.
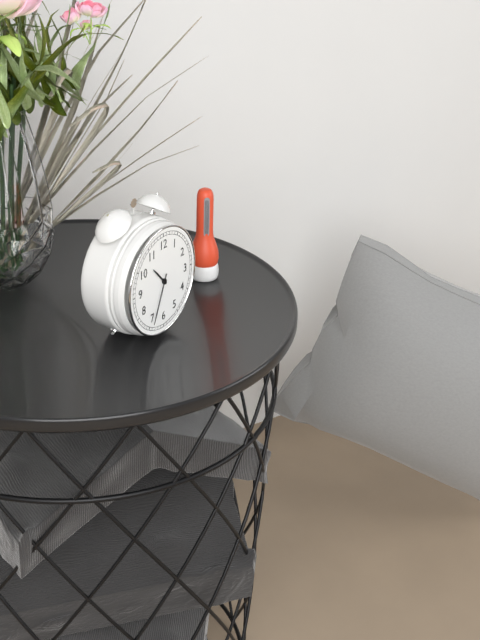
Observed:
10.34
